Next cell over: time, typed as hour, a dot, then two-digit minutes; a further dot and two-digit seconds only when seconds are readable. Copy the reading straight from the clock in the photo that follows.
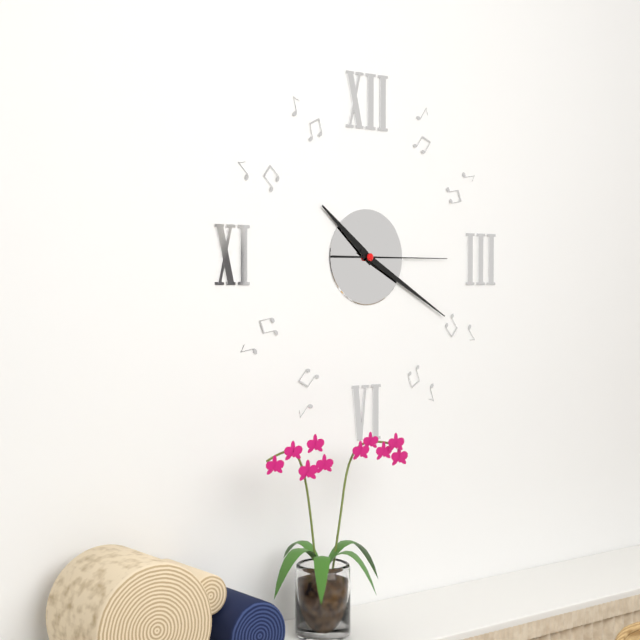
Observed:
10.20.15
